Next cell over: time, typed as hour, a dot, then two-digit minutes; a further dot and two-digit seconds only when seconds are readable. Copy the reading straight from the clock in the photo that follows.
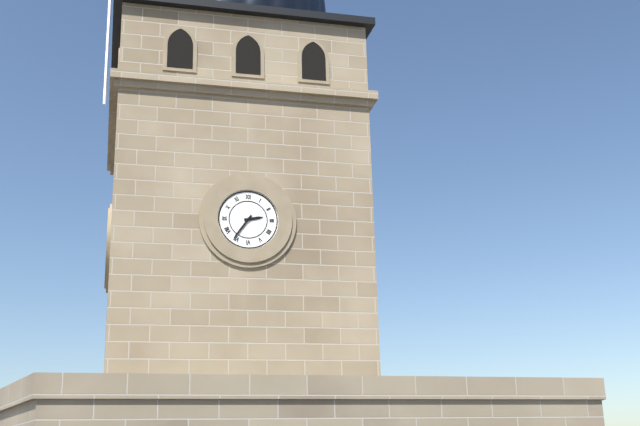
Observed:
2.36
